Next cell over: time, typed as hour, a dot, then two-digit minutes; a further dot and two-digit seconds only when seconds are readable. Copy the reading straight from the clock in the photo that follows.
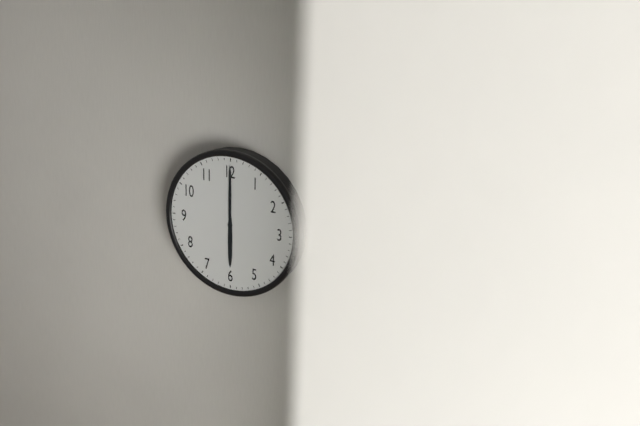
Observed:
6.00
